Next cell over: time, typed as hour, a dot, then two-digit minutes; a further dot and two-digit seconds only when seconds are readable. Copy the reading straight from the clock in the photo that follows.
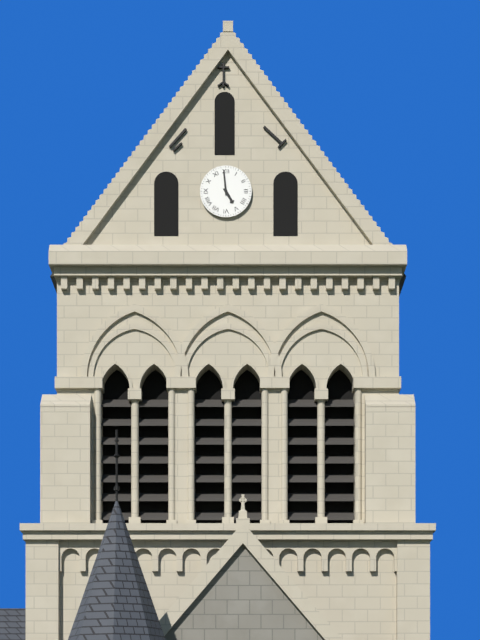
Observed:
4.59
